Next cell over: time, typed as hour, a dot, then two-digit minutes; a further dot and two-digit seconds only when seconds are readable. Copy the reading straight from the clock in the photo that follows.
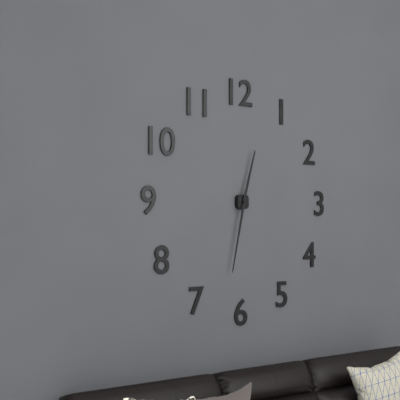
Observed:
12.32
